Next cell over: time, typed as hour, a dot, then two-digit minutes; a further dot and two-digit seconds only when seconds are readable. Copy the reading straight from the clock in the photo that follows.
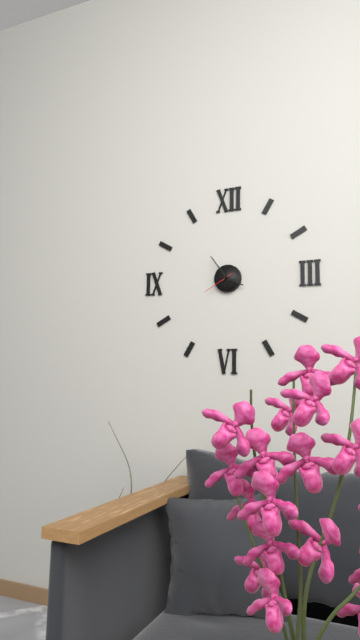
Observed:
3.54
